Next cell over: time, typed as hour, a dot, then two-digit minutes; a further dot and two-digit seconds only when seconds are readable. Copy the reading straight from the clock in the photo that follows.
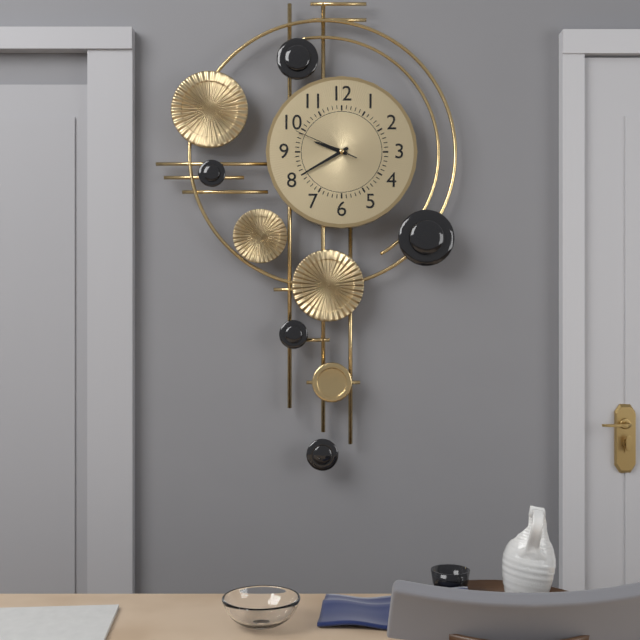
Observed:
9.40.49
